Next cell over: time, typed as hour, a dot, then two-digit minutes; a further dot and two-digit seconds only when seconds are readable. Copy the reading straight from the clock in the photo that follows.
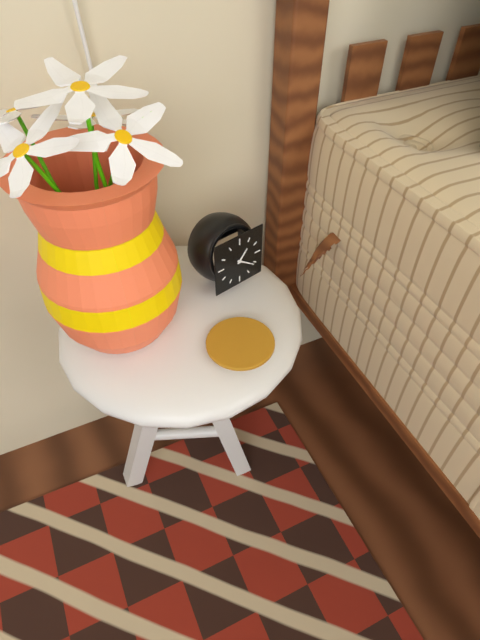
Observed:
1.21
